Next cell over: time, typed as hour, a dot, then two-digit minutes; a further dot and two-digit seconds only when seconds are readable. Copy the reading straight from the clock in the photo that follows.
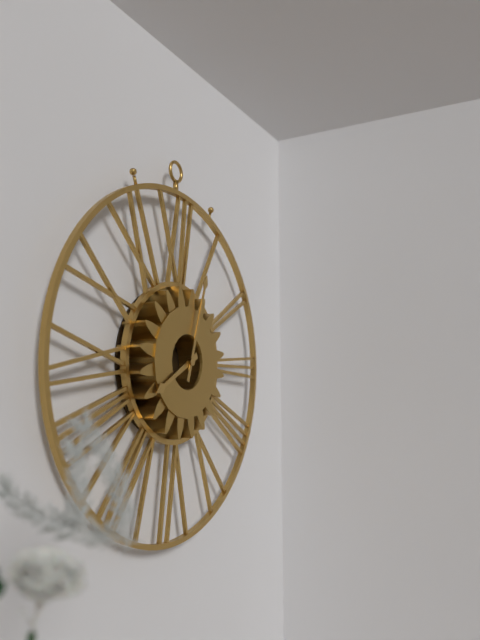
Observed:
8.03
